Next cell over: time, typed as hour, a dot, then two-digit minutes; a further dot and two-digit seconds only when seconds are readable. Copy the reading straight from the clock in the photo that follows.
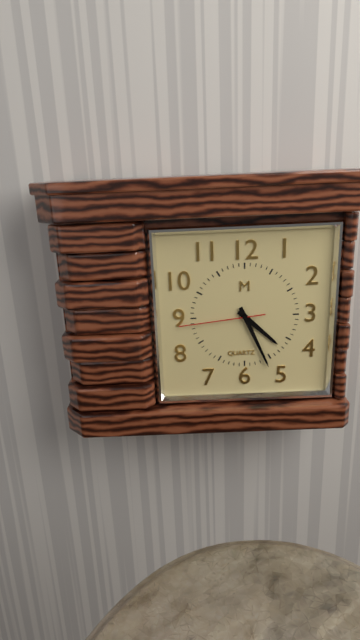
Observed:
4.26.44
